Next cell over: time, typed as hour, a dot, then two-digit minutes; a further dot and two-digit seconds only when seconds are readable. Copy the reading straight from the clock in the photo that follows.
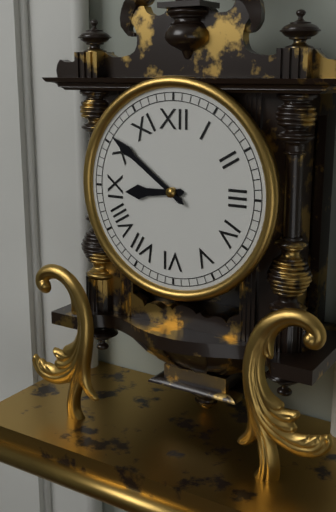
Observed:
8.51
